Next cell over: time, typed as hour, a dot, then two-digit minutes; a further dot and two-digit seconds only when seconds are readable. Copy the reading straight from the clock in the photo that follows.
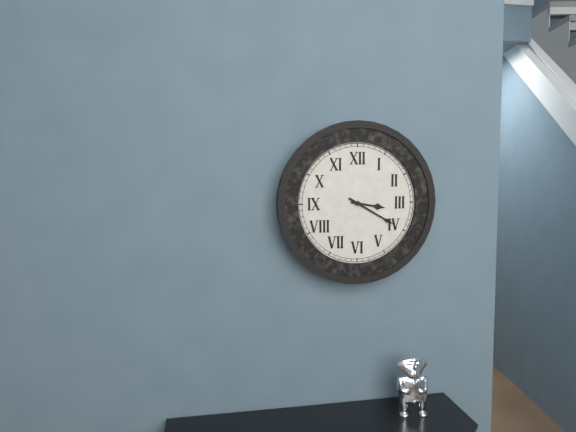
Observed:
3.20
